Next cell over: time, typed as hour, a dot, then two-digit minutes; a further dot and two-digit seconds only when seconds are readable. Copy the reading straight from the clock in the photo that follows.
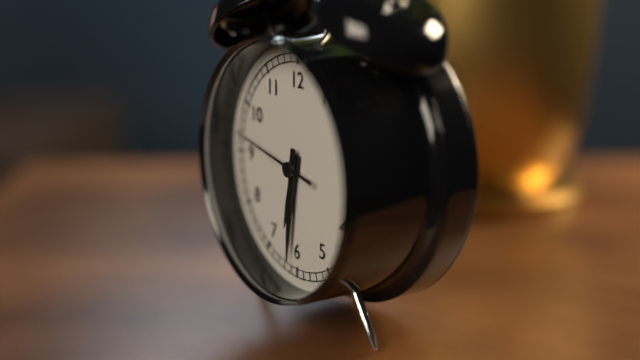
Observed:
6.31.47
